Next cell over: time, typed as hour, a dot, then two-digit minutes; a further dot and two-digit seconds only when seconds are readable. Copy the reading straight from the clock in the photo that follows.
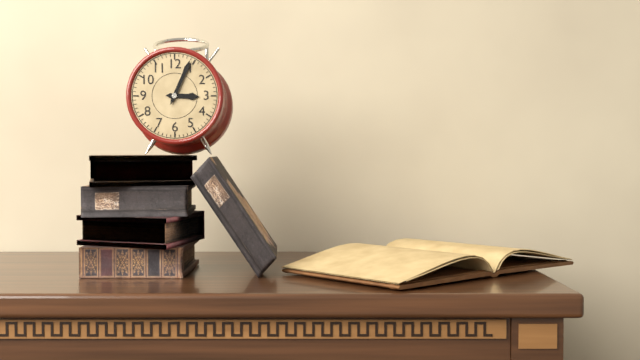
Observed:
3.04
